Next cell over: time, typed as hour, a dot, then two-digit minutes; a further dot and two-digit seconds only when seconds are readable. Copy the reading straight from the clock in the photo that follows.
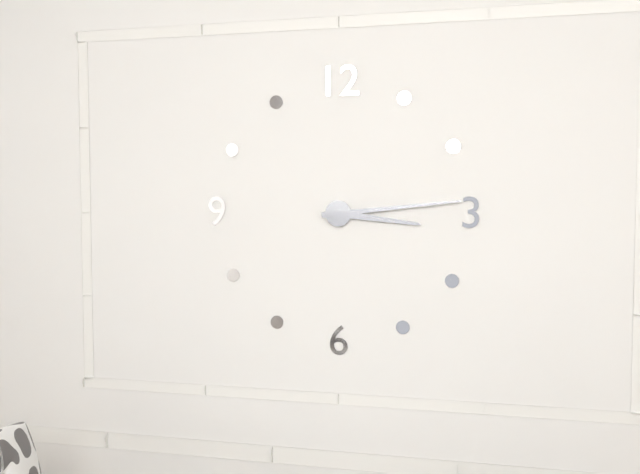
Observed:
3.14
